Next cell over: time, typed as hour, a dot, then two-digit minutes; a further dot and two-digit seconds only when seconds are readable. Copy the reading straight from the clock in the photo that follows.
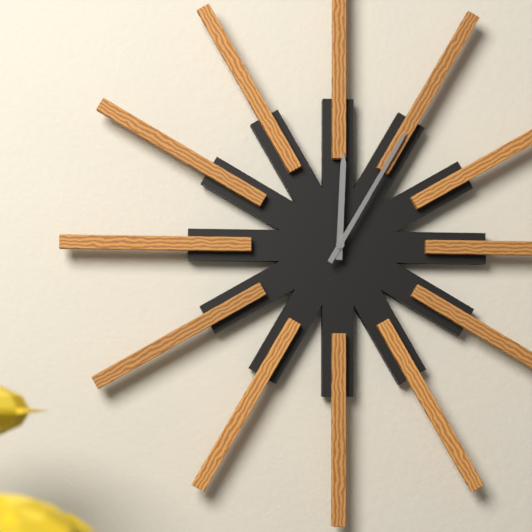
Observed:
12.05
